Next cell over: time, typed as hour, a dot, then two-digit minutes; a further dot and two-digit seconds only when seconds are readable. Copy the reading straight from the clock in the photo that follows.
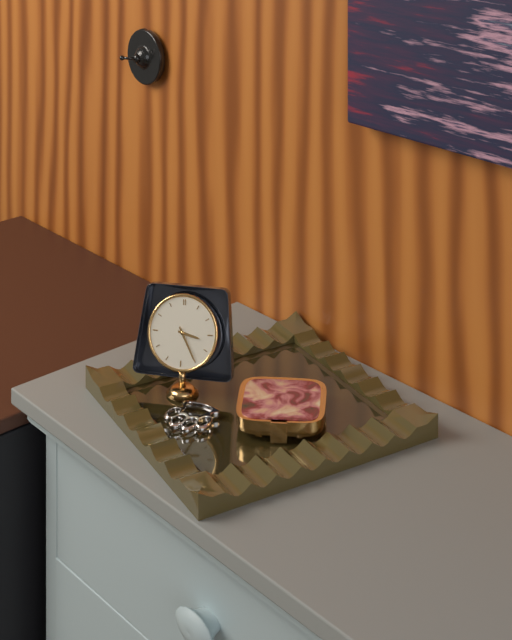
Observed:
3.25
